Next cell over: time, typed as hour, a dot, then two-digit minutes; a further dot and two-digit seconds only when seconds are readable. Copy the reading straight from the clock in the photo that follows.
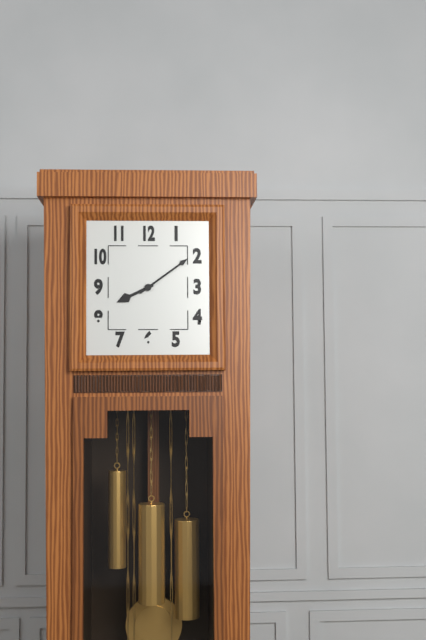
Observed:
8.09
